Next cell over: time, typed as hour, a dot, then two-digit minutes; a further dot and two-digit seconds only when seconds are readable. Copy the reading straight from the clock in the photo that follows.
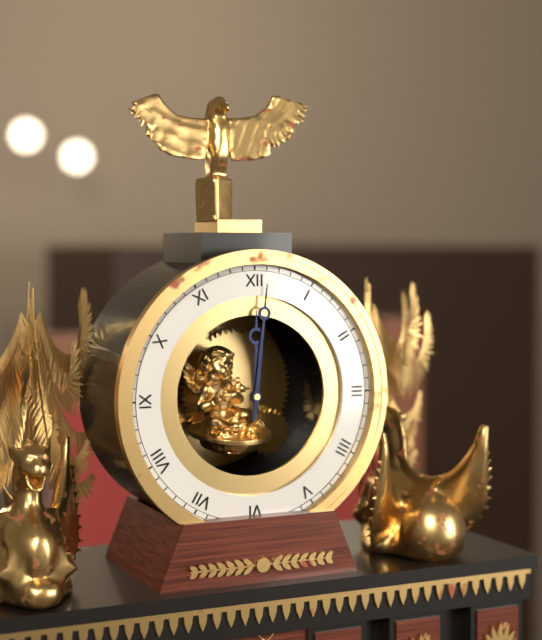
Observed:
12.01
